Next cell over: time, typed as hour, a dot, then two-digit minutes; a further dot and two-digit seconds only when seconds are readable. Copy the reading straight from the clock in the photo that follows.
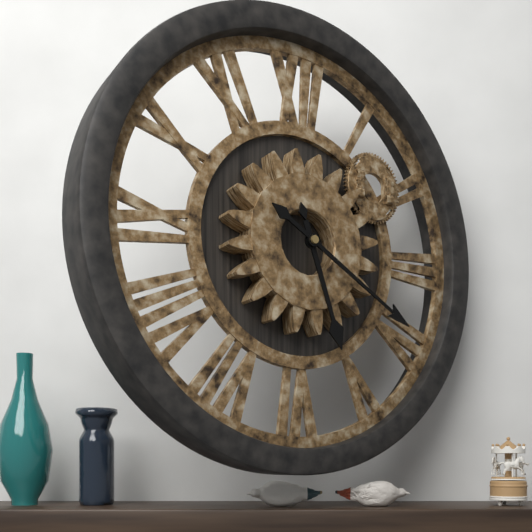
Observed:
5.20
